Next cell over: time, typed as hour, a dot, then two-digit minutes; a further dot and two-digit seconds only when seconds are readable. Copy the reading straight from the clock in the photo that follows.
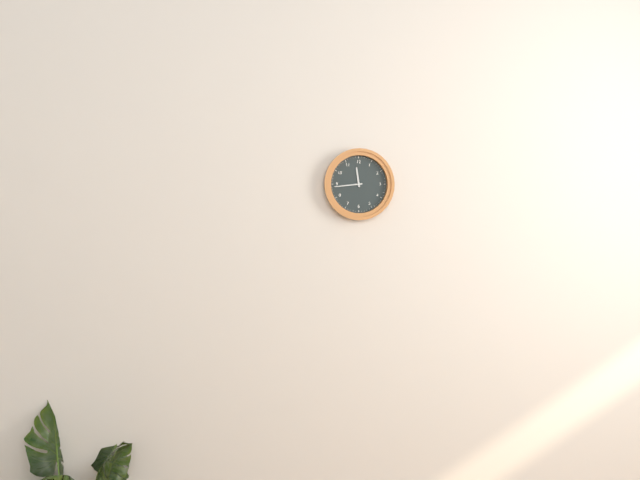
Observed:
11.44
